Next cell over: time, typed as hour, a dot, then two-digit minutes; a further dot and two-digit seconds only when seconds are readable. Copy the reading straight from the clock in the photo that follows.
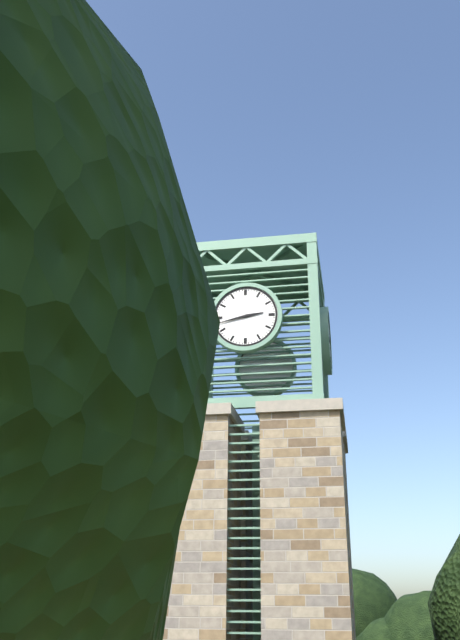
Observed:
2.43
